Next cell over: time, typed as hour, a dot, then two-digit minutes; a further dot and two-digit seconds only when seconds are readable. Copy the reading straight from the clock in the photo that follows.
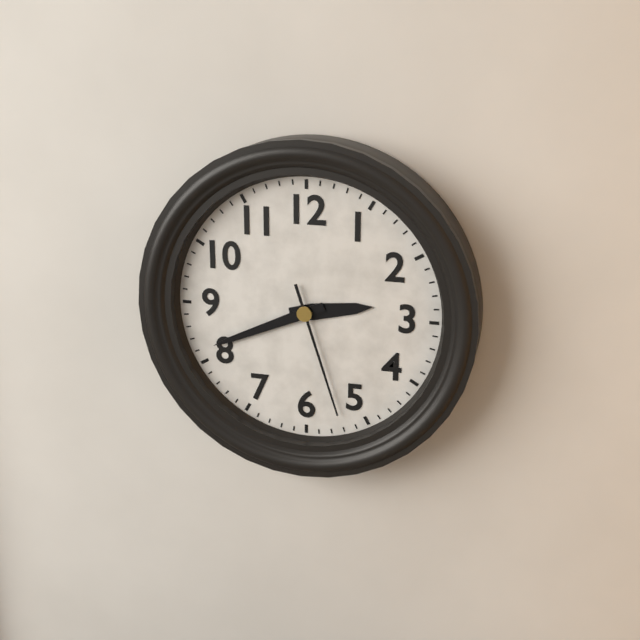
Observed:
2.41.27
